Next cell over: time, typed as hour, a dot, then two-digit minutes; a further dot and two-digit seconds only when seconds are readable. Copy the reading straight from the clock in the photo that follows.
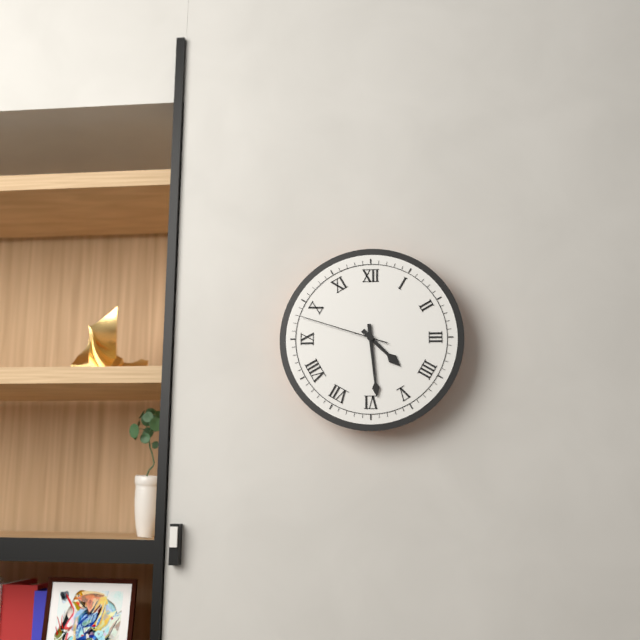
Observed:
4.29.48
